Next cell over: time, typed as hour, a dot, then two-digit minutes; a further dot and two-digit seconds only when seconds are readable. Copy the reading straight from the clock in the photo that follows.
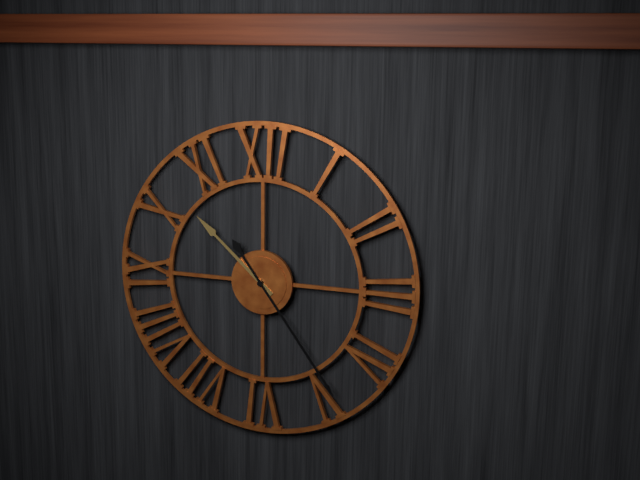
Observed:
10.24
